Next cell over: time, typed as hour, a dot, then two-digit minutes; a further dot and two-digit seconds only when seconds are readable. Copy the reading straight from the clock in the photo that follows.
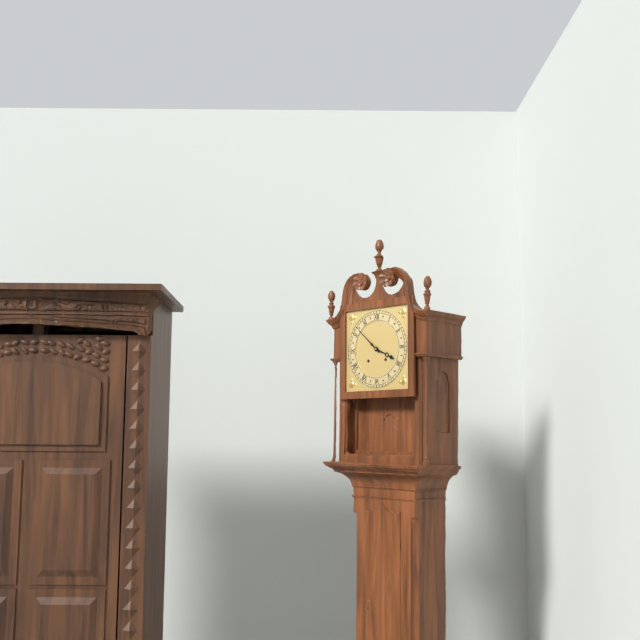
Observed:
3.52
